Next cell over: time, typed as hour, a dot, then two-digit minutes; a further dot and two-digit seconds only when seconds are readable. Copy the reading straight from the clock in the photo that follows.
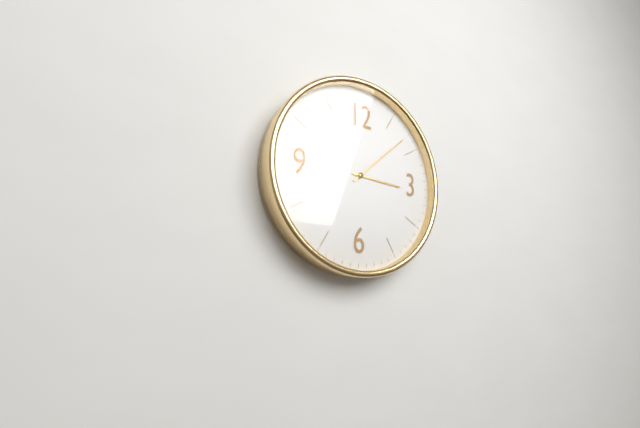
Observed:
3.08
